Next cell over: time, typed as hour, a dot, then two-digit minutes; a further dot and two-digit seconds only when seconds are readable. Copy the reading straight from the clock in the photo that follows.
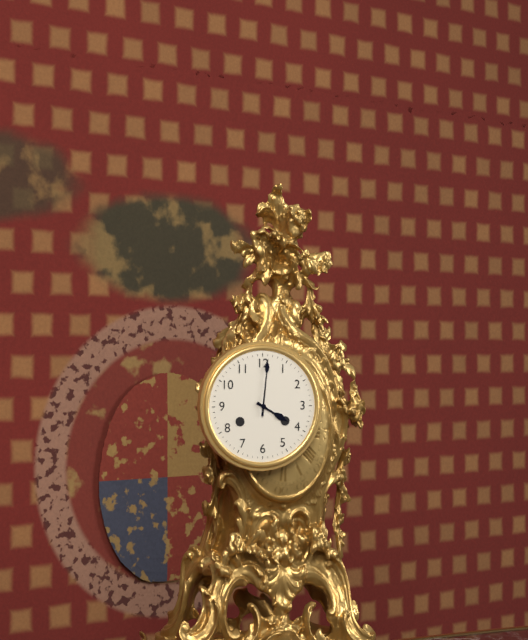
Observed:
4.01
